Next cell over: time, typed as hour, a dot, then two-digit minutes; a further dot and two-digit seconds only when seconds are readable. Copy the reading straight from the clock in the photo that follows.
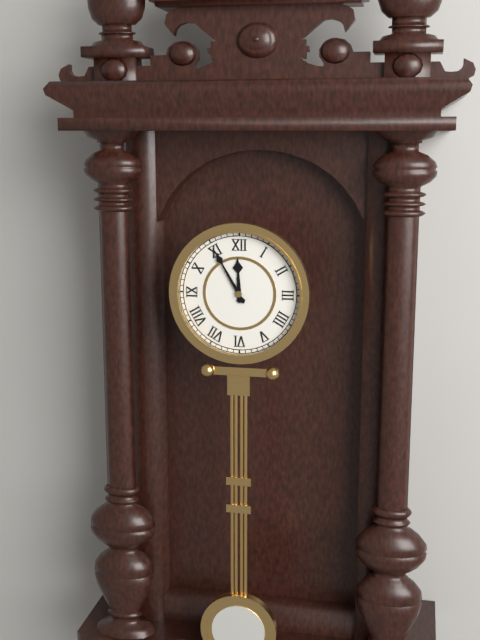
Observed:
11.55
